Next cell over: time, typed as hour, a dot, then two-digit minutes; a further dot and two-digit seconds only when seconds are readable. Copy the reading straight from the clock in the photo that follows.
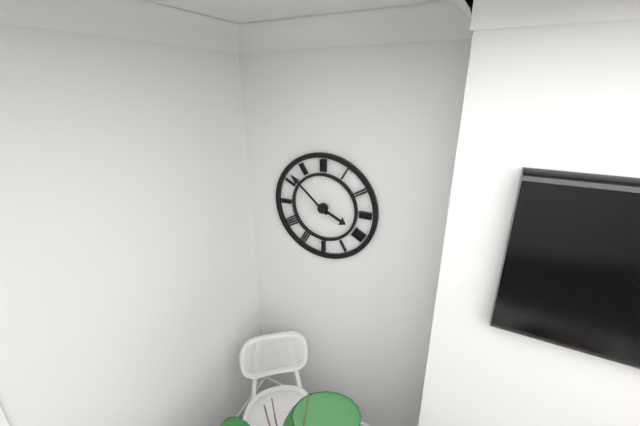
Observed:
3.52
